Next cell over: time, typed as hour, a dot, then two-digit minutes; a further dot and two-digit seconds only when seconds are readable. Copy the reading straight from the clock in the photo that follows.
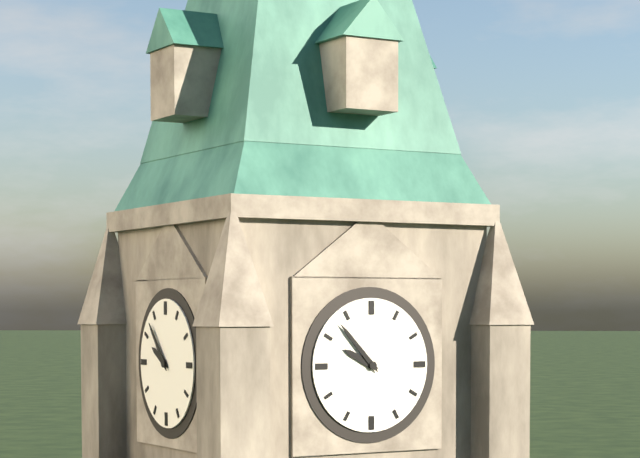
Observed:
9.53
